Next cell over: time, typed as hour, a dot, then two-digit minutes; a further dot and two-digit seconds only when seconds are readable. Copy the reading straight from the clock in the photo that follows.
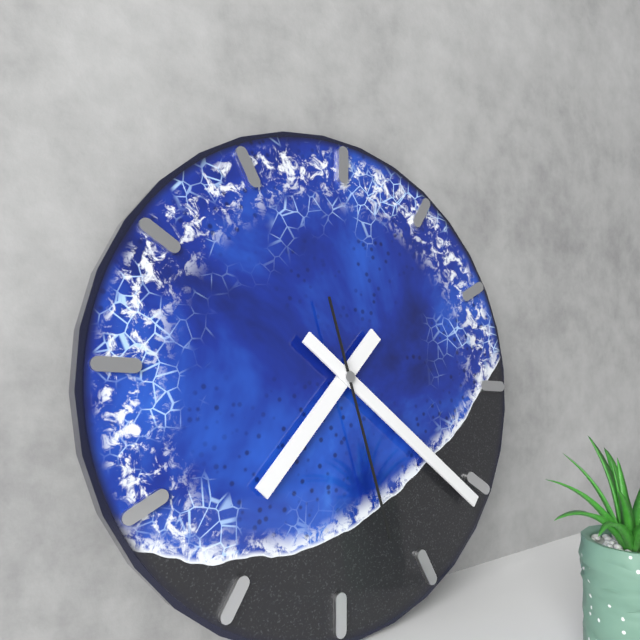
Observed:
7.21.27
